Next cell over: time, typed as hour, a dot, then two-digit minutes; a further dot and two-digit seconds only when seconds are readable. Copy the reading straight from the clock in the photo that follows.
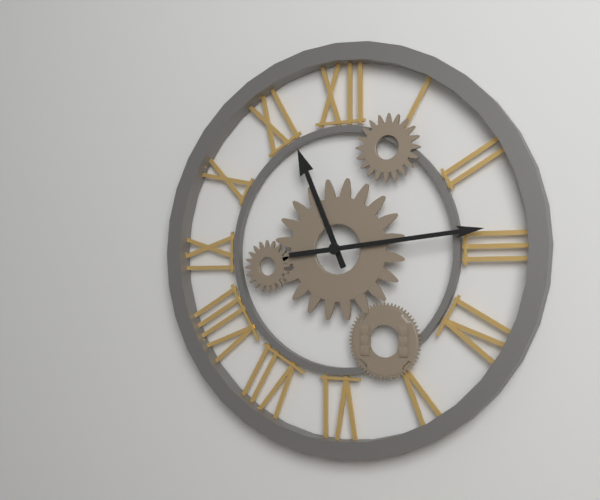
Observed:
11.14
